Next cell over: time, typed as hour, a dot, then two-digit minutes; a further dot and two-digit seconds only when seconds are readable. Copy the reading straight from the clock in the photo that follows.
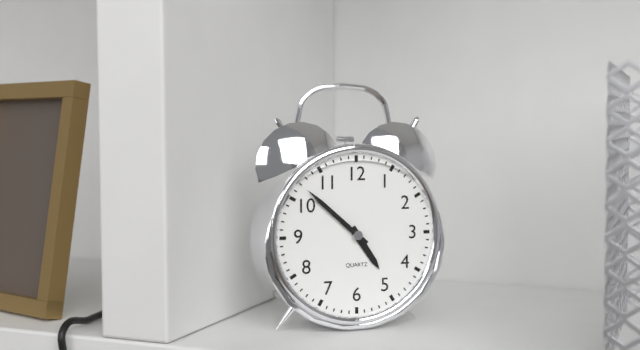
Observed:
4.52
